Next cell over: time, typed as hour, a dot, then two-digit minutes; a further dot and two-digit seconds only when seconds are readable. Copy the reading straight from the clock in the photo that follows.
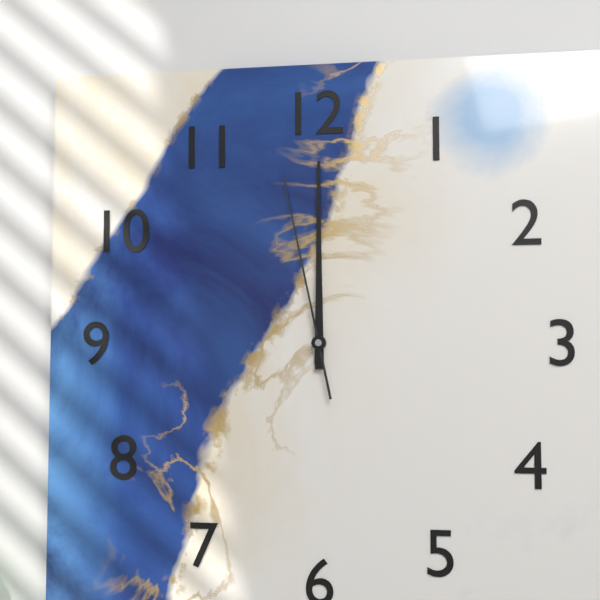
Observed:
12.00.58
